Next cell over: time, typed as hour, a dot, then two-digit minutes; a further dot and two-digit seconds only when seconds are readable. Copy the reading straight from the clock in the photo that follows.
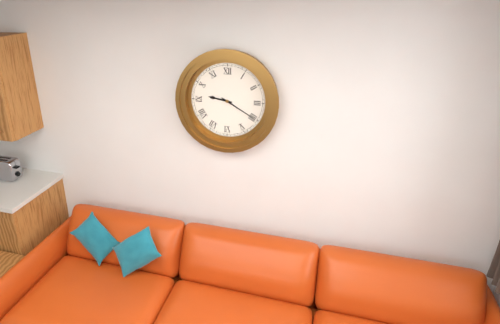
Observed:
9.20
